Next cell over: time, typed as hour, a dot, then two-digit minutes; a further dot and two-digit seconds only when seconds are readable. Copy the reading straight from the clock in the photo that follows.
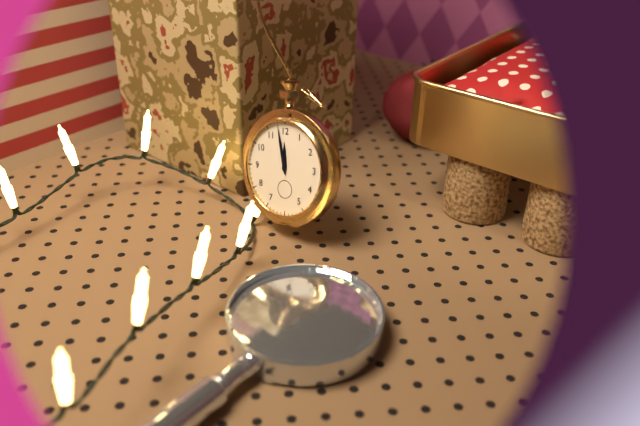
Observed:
11.58
